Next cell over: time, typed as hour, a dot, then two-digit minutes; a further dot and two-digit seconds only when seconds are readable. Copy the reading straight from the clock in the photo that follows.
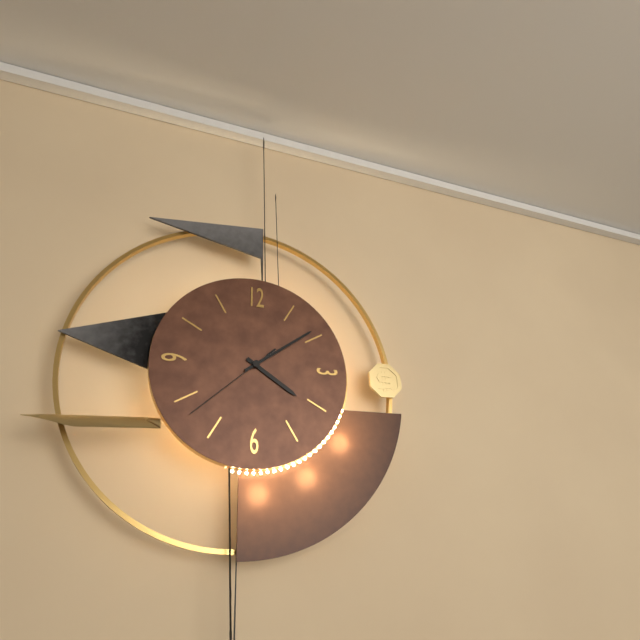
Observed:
4.09.38
